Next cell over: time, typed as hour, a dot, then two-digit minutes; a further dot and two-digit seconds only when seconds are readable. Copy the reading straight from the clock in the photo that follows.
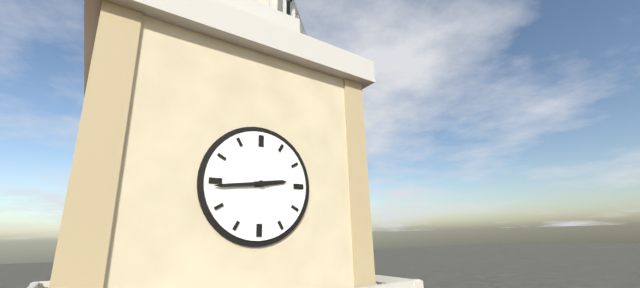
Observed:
2.44
